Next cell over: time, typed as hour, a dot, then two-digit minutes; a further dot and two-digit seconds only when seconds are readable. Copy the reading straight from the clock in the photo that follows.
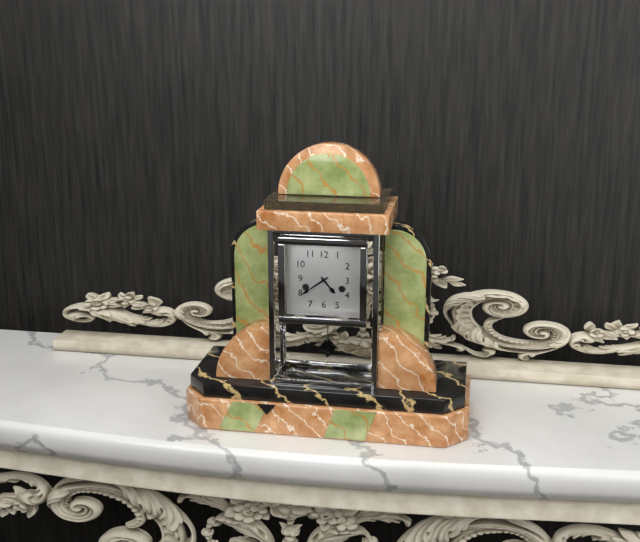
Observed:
4.39
